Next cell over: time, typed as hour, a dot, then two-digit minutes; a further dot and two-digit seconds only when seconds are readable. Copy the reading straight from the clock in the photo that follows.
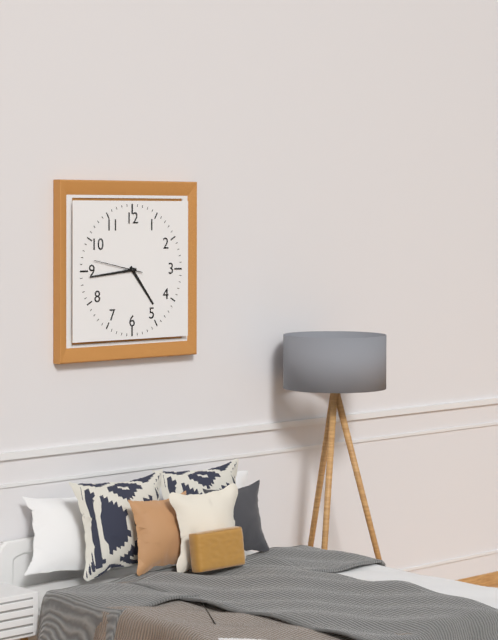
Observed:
4.44
